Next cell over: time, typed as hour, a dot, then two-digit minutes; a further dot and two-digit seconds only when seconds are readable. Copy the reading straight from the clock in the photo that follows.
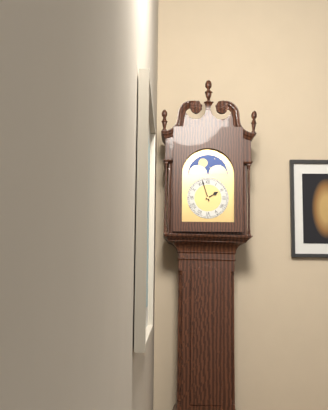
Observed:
1.57
